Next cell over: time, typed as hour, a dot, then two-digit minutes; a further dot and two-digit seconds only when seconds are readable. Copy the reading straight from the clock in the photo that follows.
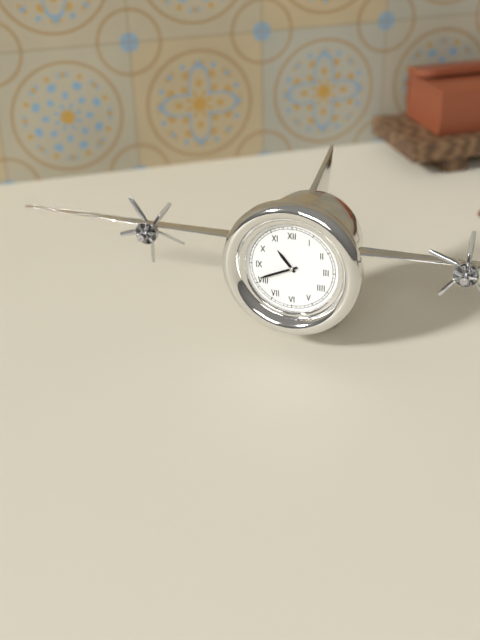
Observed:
10.41
